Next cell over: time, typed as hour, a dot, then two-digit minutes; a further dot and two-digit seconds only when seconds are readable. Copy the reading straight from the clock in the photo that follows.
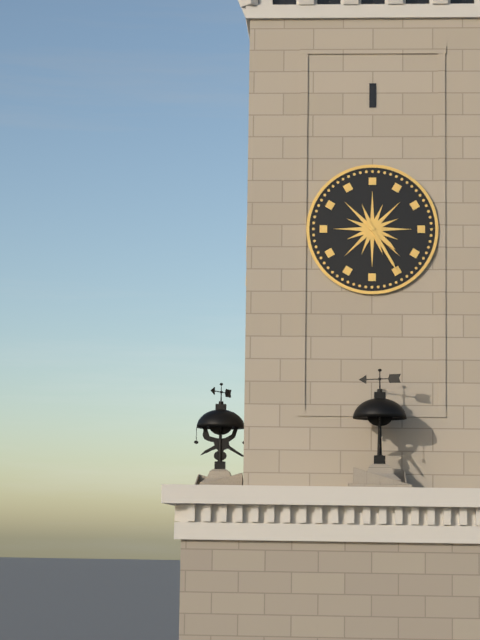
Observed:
4.25
